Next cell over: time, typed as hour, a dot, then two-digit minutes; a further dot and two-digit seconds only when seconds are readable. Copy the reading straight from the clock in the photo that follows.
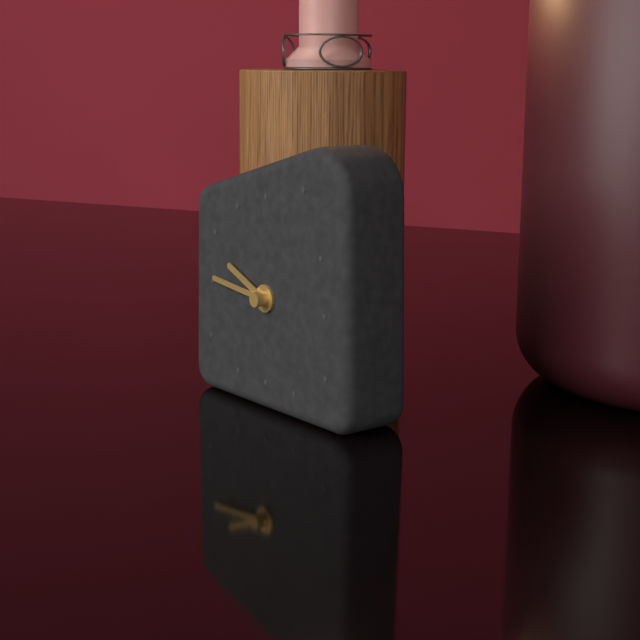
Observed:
9.46
